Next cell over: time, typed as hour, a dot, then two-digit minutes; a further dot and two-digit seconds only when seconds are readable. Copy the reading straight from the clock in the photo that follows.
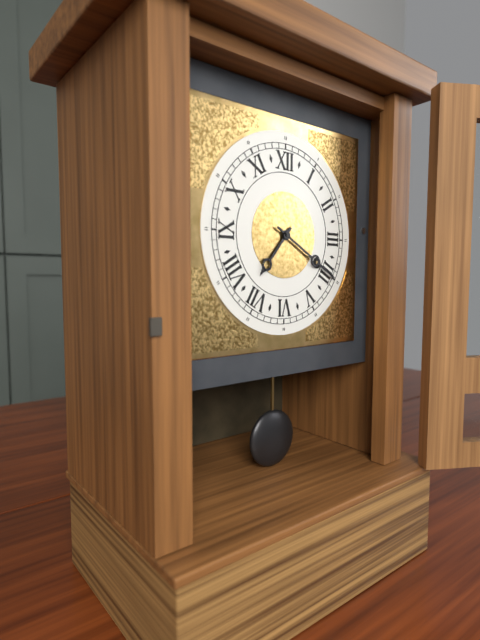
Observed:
7.20
